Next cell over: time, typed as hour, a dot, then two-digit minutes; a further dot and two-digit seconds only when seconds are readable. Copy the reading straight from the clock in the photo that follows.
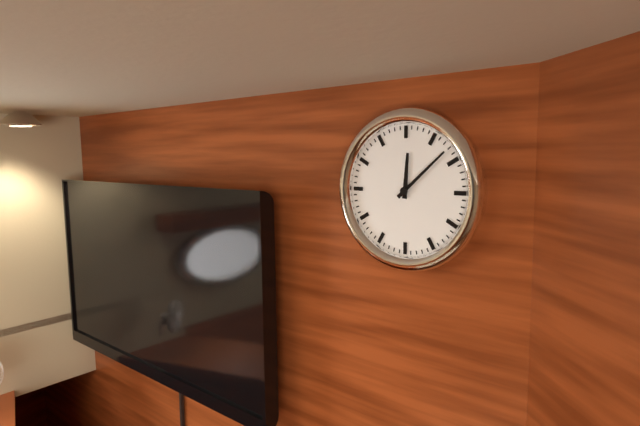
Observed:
12.08
